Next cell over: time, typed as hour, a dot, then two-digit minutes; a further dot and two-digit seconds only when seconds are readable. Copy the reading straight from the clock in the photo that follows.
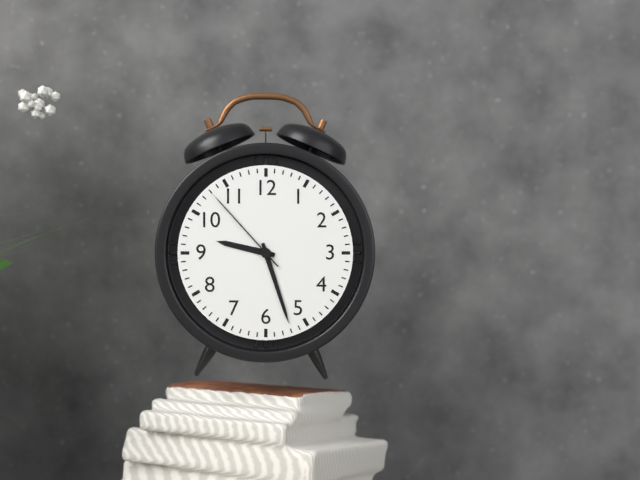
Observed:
9.27.53
